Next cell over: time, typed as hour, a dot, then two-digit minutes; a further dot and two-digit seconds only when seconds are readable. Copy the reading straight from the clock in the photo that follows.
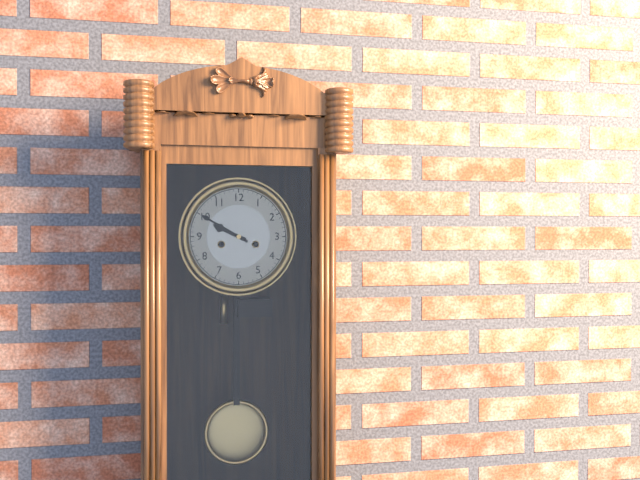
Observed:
9.50
